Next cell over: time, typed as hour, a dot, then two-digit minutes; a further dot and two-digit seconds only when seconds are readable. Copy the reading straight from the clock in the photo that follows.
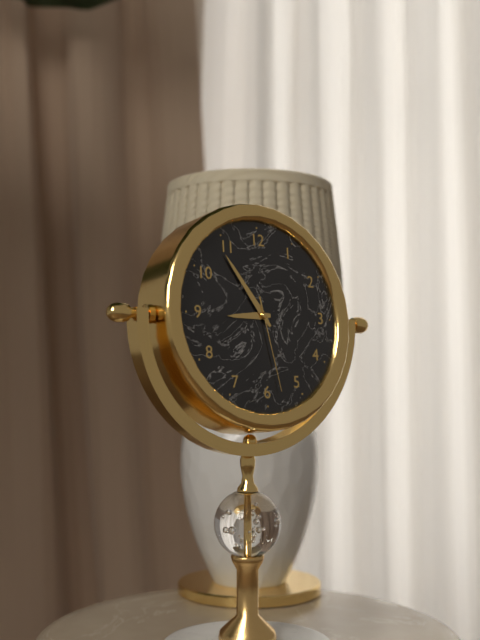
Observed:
8.54.28
